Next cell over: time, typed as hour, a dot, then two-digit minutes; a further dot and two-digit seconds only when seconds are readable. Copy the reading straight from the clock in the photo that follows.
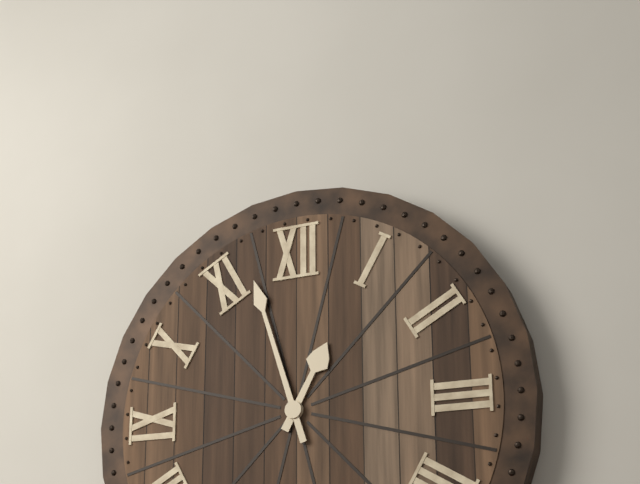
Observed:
12.57
